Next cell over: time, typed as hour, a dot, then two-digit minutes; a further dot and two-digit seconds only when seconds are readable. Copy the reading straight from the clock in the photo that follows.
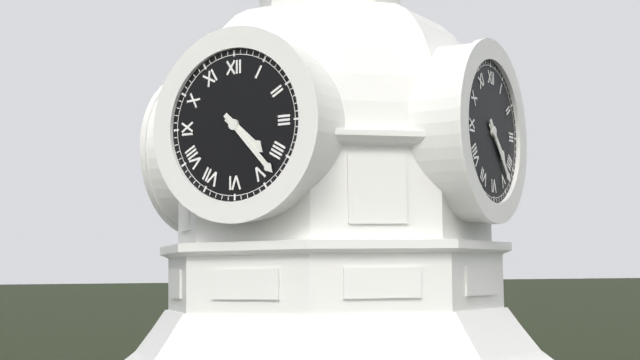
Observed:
4.23
